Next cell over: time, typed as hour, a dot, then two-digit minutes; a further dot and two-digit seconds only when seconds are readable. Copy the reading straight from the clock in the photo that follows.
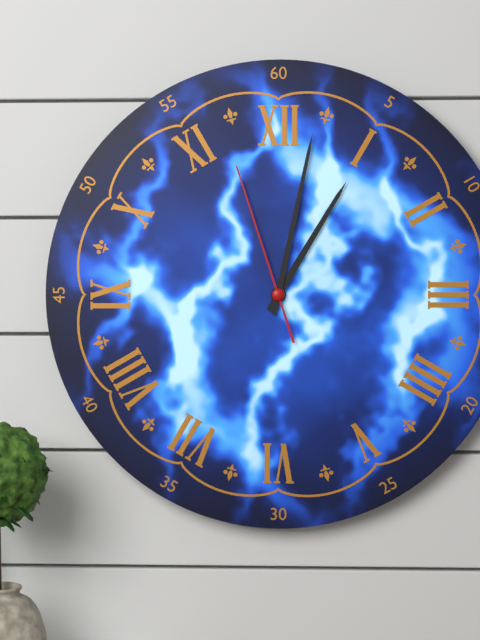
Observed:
1.02.57
